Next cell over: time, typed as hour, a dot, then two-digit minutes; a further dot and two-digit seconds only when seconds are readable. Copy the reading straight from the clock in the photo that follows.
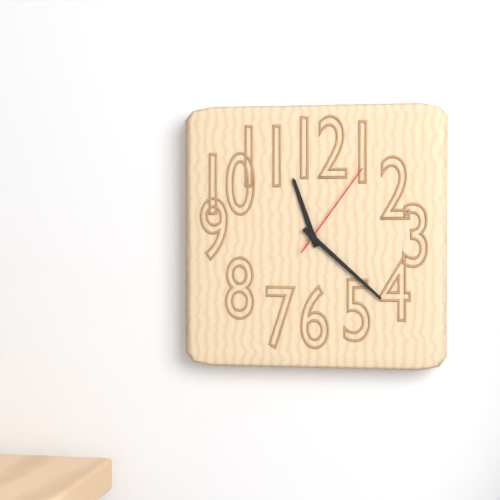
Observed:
11.22.06
